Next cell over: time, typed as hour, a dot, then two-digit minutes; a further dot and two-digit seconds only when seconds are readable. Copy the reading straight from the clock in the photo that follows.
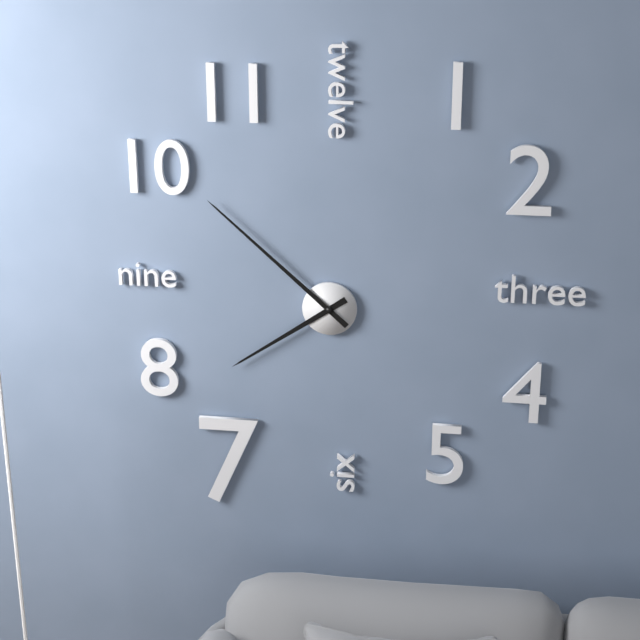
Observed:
7.52
